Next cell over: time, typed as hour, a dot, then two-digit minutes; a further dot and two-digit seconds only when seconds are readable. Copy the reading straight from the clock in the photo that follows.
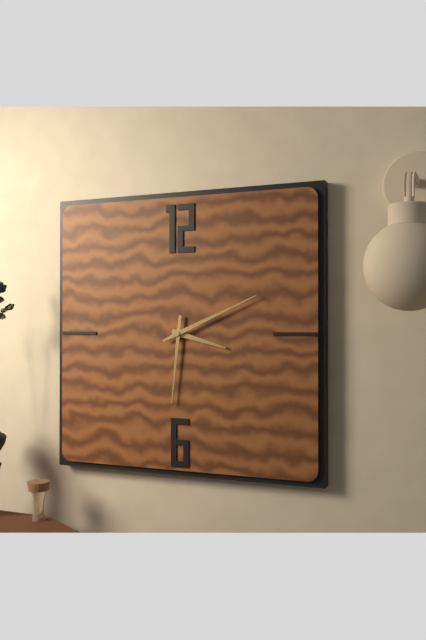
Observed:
3.31.11
